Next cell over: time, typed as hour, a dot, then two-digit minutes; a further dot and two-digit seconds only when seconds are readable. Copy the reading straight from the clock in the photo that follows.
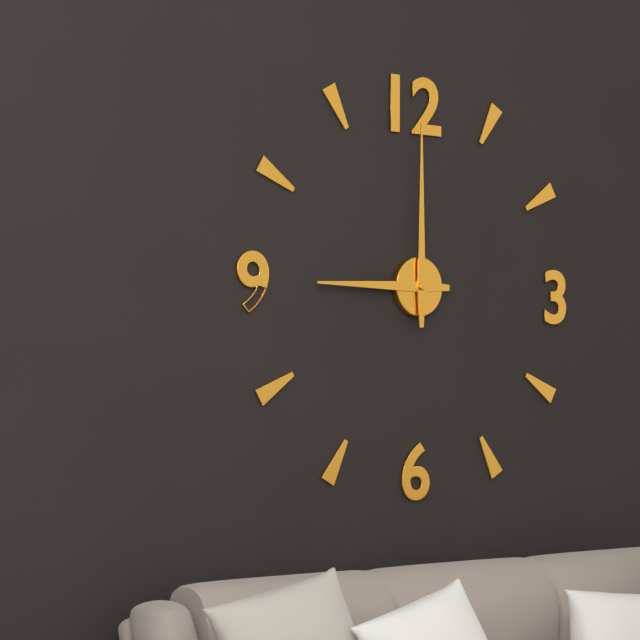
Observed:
9.00
